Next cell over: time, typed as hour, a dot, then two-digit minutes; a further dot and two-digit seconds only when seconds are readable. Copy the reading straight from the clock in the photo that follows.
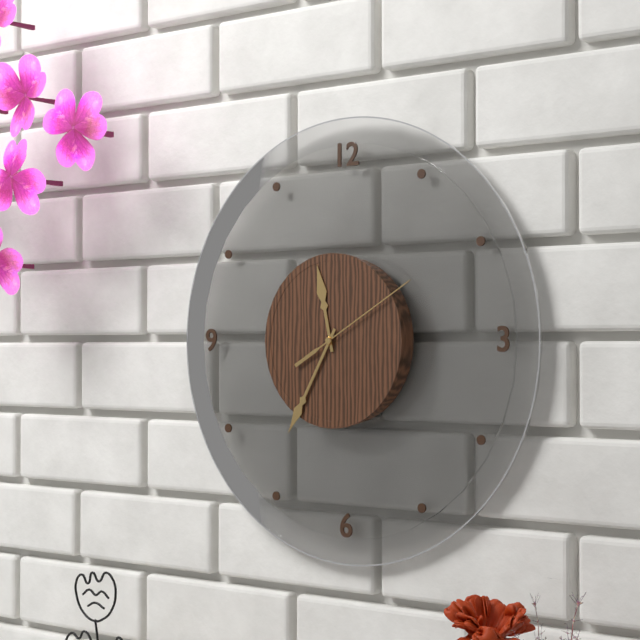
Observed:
11.35.10
